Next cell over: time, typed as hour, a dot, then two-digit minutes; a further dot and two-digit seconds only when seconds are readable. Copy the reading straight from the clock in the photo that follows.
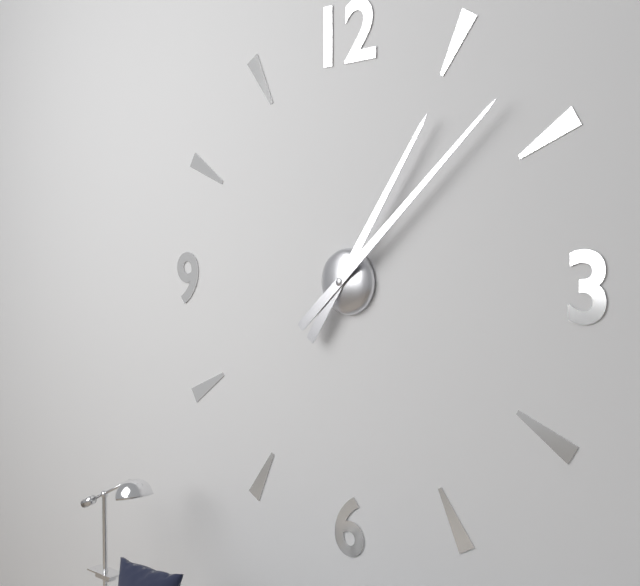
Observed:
1.08
